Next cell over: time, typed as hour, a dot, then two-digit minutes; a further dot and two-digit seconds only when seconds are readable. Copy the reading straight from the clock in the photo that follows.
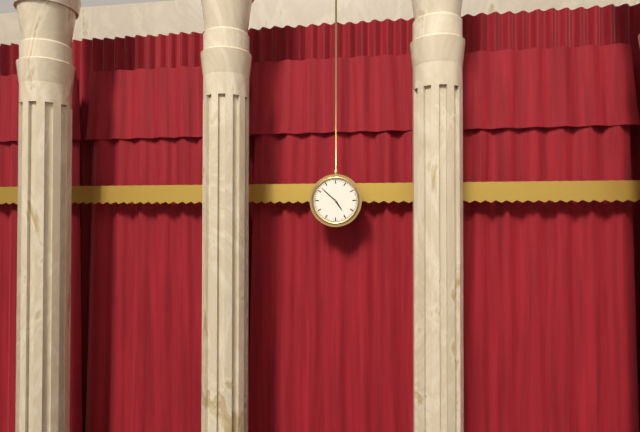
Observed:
4.52
